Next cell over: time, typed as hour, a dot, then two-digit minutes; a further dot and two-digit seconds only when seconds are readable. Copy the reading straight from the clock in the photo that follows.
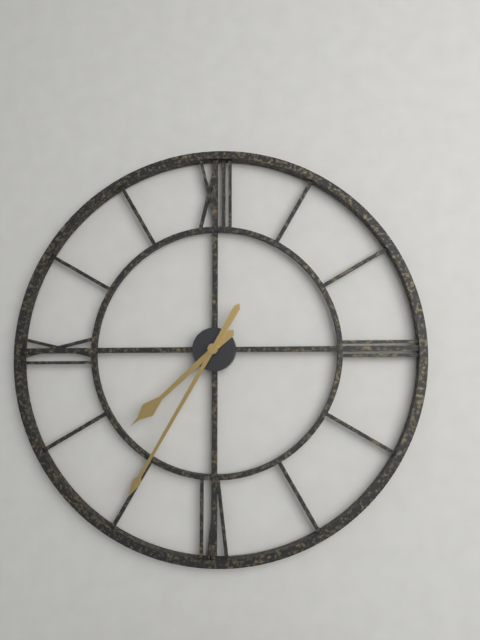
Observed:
7.35
